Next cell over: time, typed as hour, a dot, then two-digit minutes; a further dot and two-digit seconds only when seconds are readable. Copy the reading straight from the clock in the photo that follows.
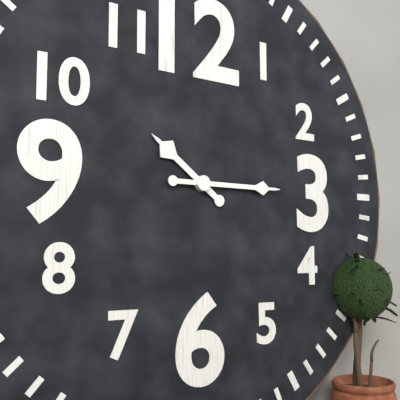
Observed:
10.15
